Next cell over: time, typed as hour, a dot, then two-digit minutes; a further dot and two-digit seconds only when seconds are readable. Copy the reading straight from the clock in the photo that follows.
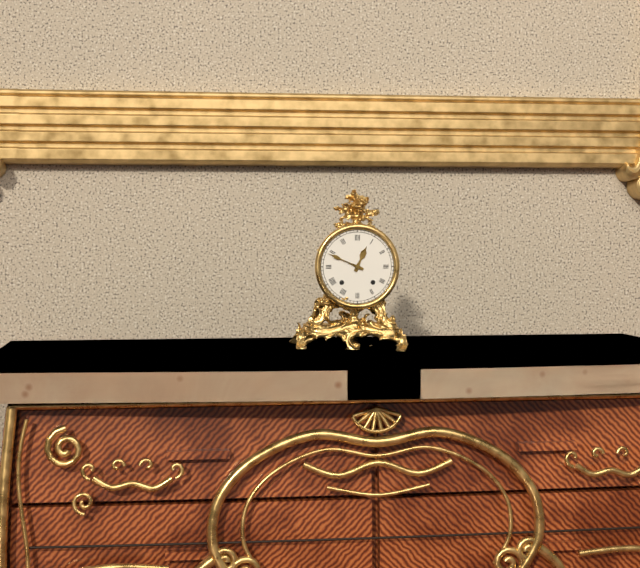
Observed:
12.49
